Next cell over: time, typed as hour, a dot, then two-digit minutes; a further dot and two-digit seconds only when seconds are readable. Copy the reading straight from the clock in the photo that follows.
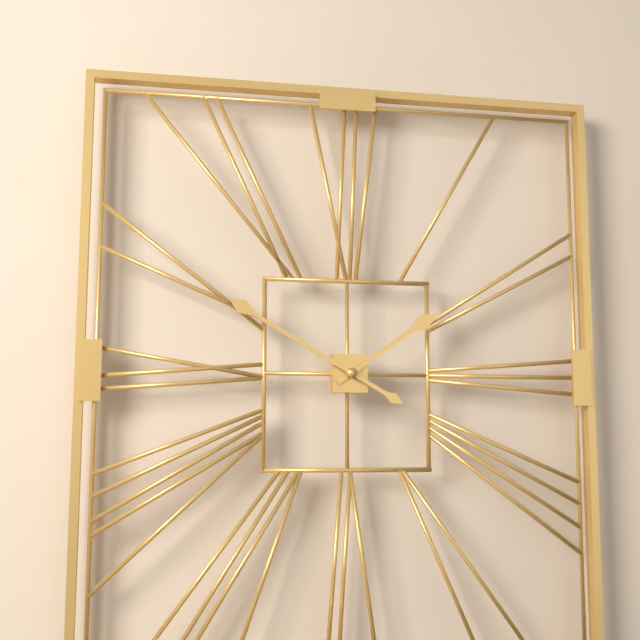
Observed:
1.50
